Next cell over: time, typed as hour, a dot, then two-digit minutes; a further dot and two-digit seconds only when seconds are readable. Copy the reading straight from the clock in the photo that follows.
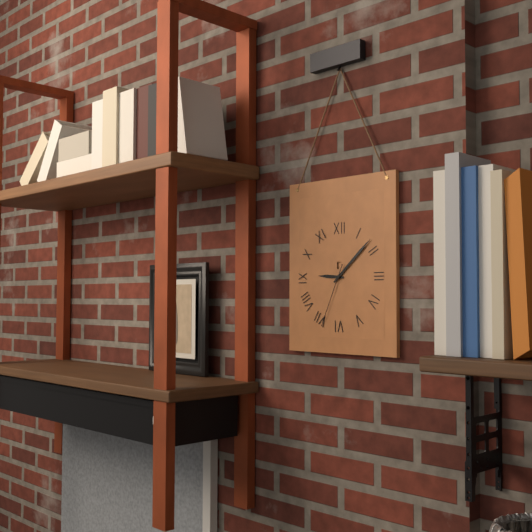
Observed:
9.08.34
